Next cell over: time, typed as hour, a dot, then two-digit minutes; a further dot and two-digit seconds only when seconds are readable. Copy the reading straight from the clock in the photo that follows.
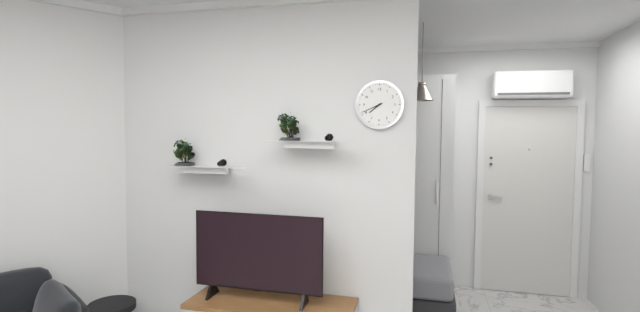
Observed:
7.41
